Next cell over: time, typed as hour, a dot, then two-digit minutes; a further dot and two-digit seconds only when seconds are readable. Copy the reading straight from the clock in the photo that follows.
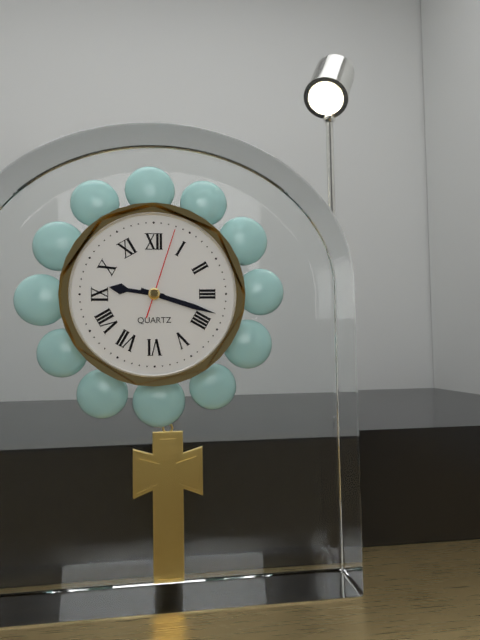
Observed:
9.18.03
